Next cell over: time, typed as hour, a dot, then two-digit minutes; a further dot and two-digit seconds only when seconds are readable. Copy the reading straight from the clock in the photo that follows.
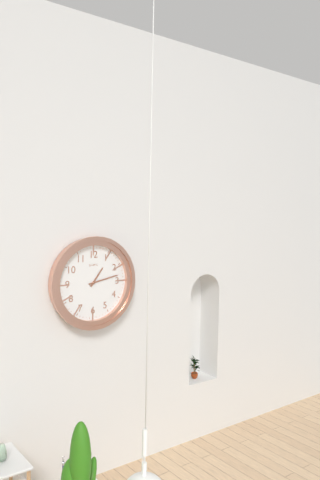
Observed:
1.13
